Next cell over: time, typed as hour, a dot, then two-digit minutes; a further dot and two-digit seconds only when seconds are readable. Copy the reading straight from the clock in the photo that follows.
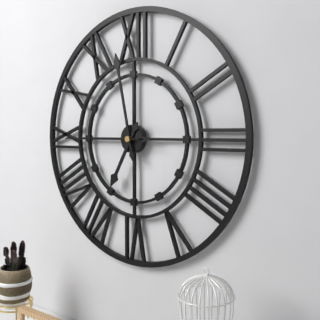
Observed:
6.58.45
